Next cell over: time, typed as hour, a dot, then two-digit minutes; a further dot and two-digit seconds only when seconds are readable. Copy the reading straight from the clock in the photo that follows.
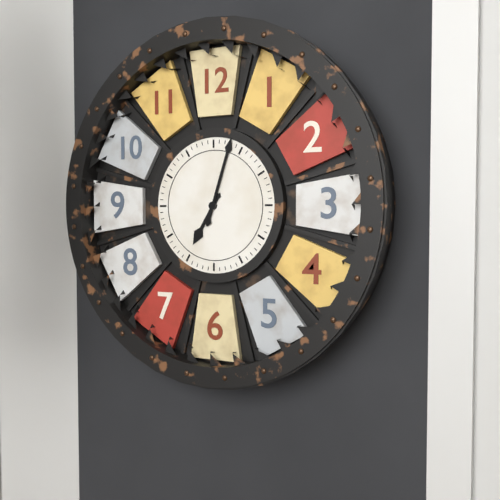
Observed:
7.03
